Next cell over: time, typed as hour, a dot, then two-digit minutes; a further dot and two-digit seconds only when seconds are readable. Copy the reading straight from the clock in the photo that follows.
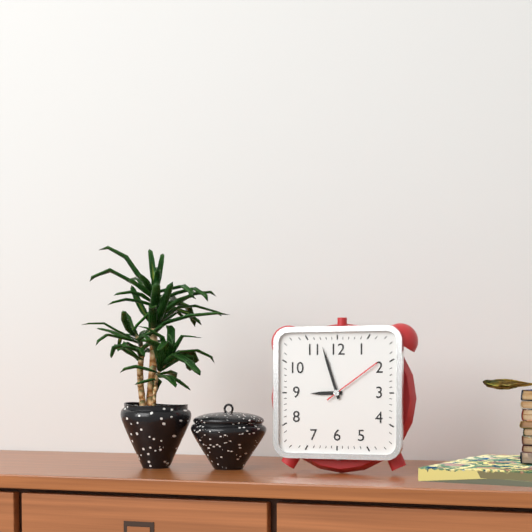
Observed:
8.57.09
